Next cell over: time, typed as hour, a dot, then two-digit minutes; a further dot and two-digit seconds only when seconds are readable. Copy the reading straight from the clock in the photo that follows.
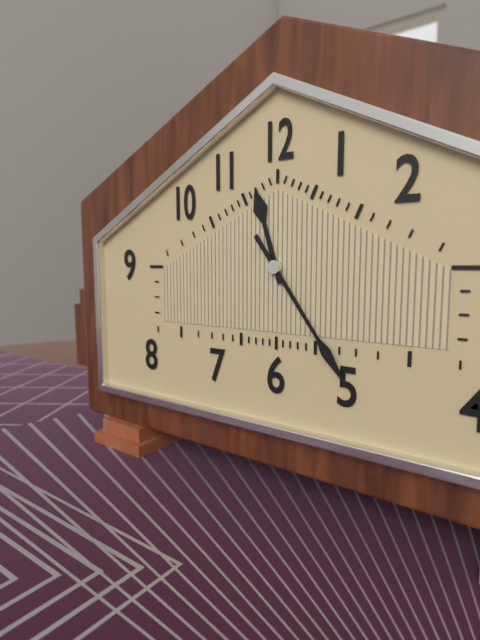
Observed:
11.24
